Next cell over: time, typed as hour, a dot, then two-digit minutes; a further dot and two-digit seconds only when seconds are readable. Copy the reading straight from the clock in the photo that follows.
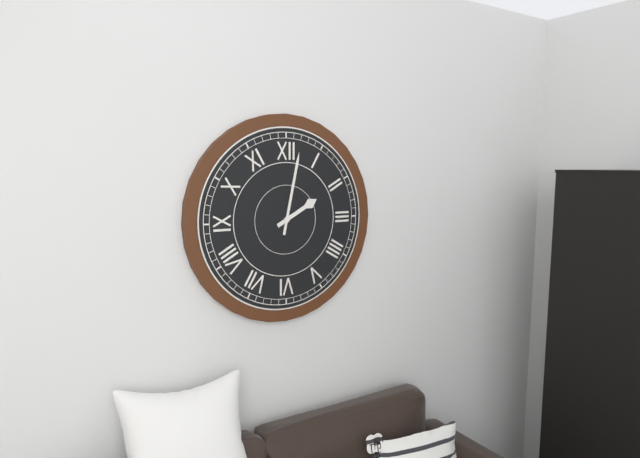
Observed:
2.02
